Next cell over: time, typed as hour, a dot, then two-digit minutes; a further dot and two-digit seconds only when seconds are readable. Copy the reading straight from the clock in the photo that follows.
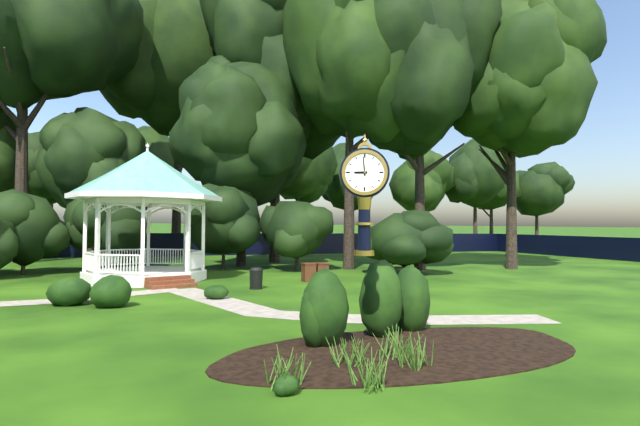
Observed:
8.59
